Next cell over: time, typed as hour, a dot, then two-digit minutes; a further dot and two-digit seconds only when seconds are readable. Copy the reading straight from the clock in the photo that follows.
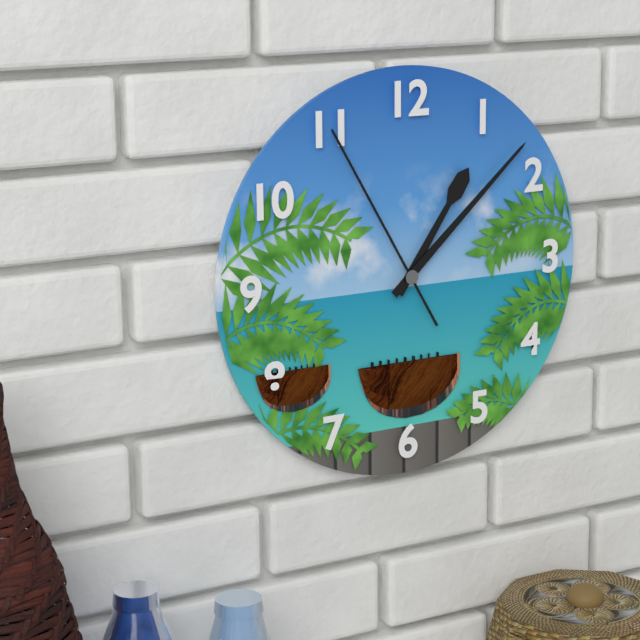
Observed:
1.08.55
